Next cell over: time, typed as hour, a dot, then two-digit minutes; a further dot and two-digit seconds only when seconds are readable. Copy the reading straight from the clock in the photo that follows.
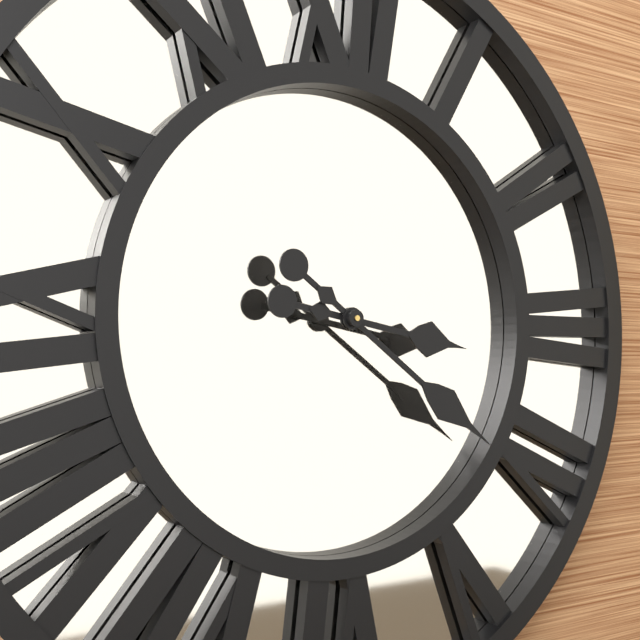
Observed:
3.21
